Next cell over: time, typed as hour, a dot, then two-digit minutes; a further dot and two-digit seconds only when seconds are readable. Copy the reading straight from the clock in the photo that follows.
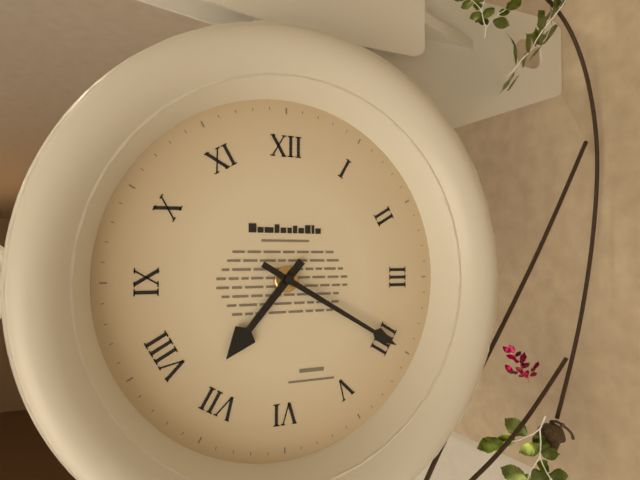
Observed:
7.20
